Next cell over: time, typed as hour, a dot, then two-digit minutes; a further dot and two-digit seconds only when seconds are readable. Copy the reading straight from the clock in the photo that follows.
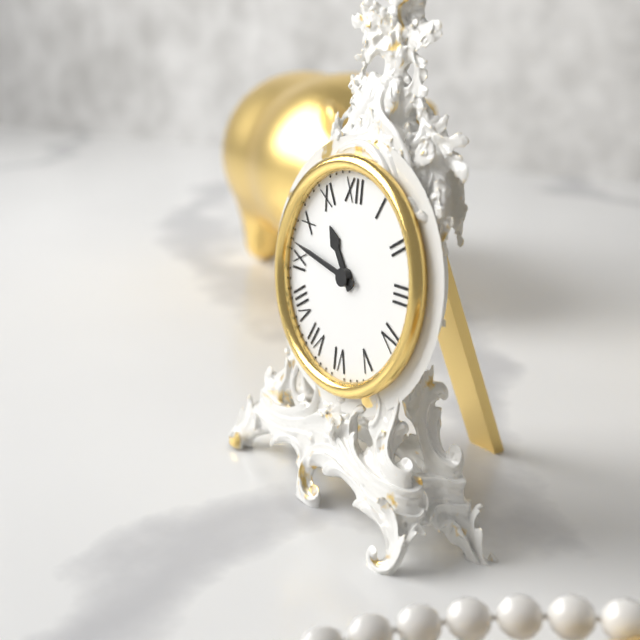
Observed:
10.47
